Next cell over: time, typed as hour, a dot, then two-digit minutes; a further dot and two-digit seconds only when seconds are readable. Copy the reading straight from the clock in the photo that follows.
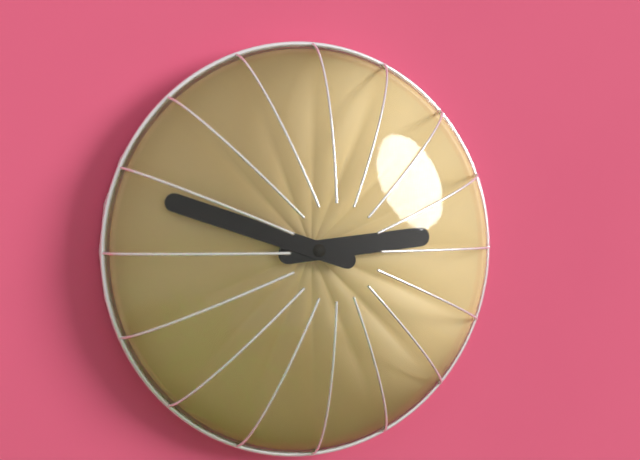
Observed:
2.48
